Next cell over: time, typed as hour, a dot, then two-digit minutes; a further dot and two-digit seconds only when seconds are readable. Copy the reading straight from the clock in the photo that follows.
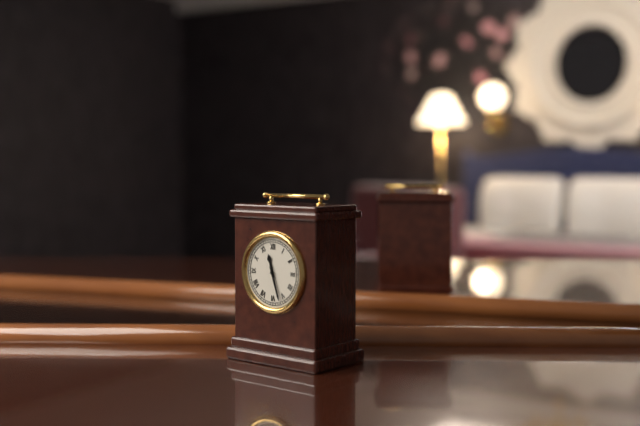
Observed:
11.27
